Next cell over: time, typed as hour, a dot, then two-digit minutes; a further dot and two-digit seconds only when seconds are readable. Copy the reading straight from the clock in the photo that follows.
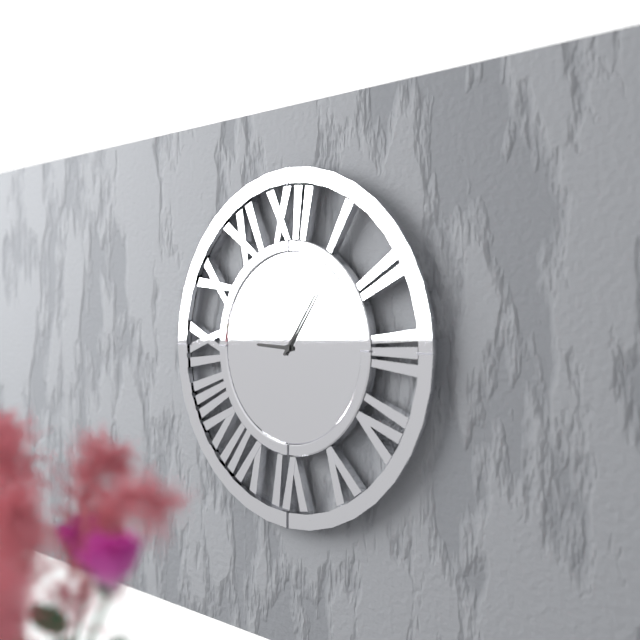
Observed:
9.06
